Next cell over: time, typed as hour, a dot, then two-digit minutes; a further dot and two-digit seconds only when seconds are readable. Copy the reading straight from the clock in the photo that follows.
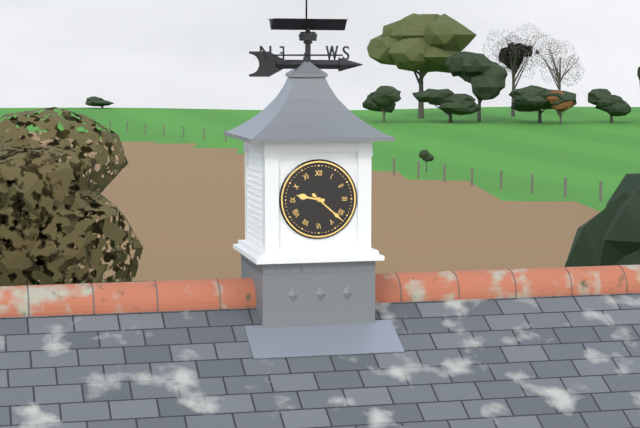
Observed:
9.22
